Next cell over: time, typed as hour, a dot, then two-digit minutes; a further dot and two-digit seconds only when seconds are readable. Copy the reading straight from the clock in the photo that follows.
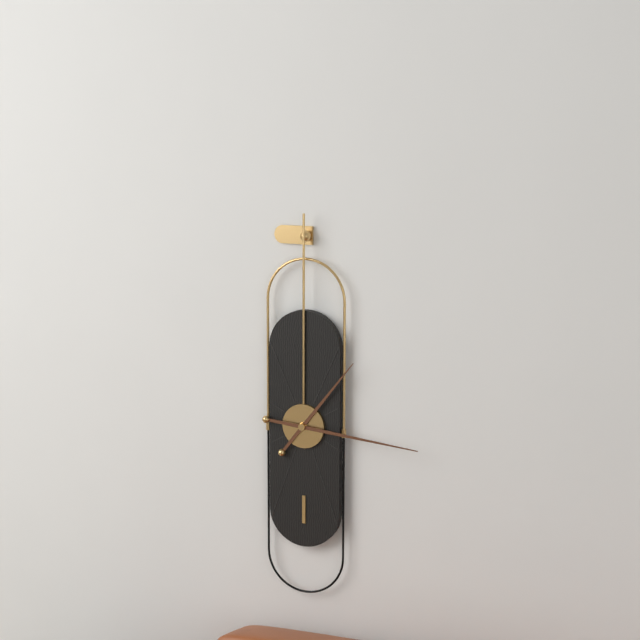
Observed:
1.16
